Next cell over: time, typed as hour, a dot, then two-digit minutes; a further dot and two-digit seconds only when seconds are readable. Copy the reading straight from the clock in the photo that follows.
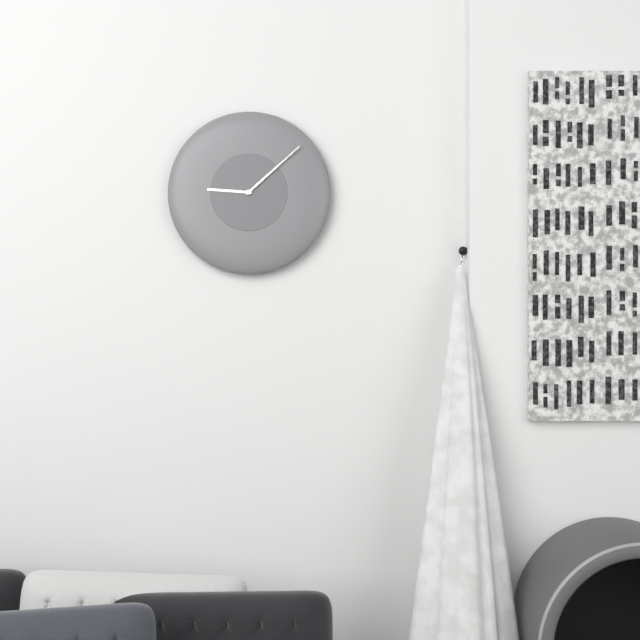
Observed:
9.08
